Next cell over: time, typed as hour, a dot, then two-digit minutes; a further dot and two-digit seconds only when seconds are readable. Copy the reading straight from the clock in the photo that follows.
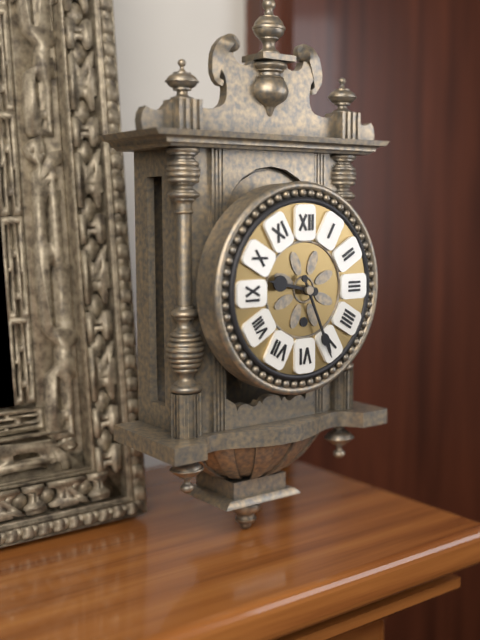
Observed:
9.26
